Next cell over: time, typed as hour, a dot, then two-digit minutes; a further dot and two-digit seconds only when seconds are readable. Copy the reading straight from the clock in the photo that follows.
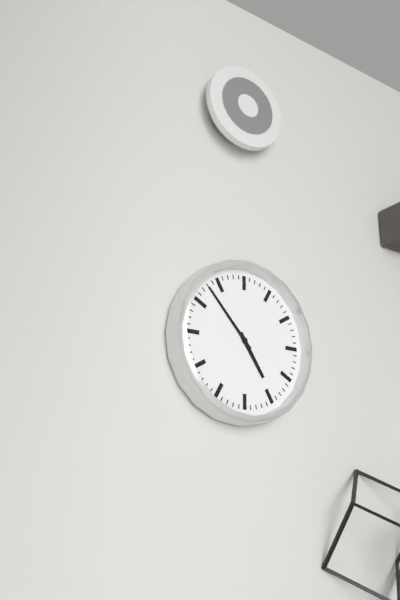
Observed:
4.53
